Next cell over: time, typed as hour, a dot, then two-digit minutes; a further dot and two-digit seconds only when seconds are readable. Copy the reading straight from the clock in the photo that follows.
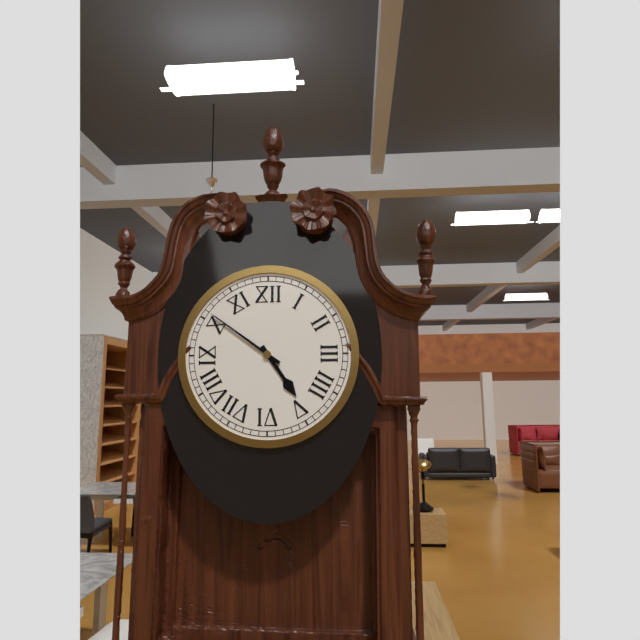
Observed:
4.51
